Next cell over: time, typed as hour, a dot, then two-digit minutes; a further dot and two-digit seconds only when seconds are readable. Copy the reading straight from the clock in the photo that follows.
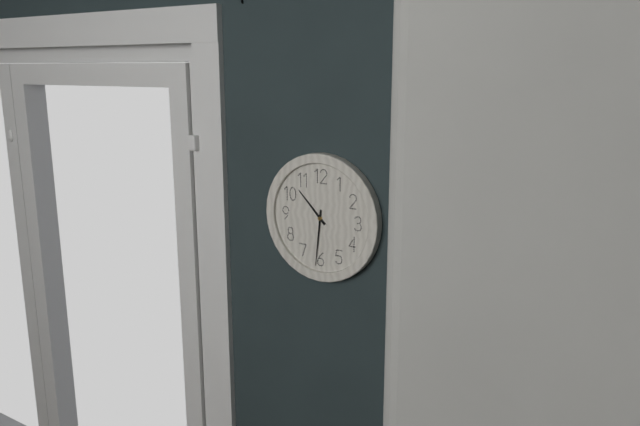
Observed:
10.31
